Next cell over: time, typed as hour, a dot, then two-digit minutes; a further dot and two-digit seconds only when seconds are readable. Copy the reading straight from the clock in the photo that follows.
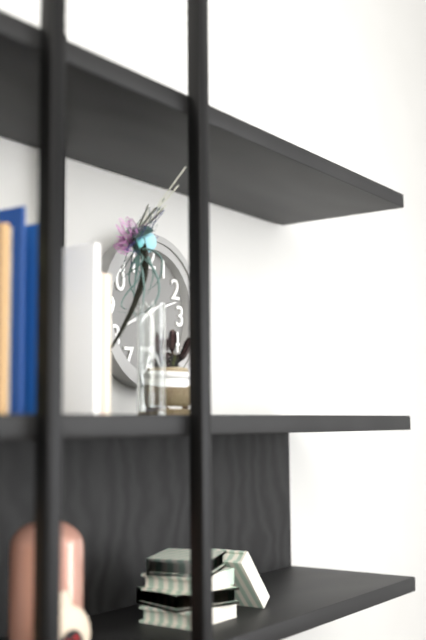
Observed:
8.12
